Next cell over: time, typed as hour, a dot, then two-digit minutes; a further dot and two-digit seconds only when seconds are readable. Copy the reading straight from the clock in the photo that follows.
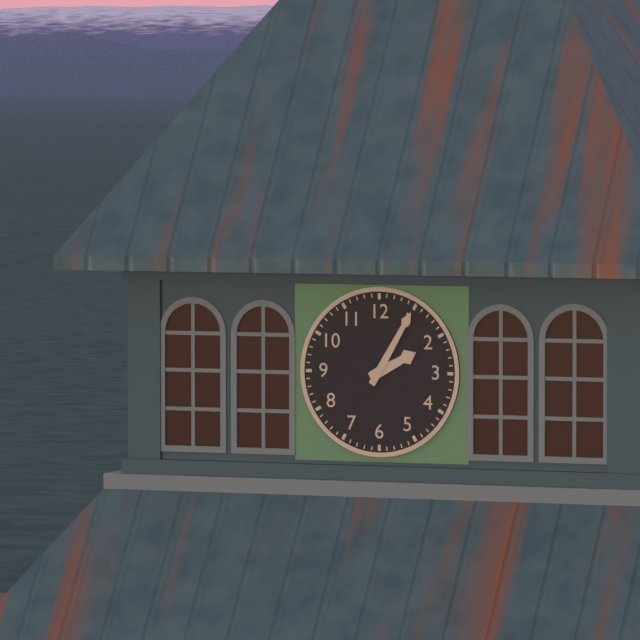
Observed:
2.05
